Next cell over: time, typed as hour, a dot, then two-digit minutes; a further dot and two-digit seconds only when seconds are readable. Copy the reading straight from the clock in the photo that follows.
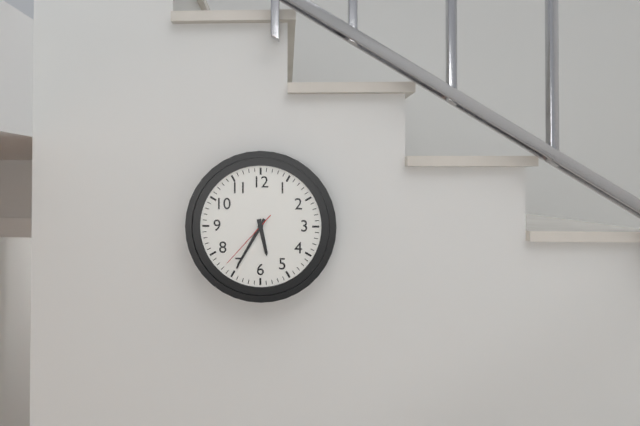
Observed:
5.35.37
